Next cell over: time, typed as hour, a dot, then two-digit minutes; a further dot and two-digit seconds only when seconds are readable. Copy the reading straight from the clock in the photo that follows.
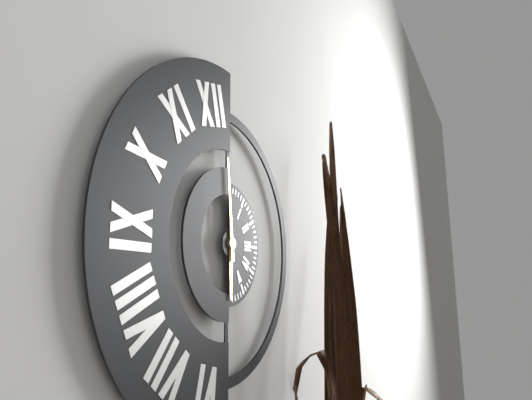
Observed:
5.59
